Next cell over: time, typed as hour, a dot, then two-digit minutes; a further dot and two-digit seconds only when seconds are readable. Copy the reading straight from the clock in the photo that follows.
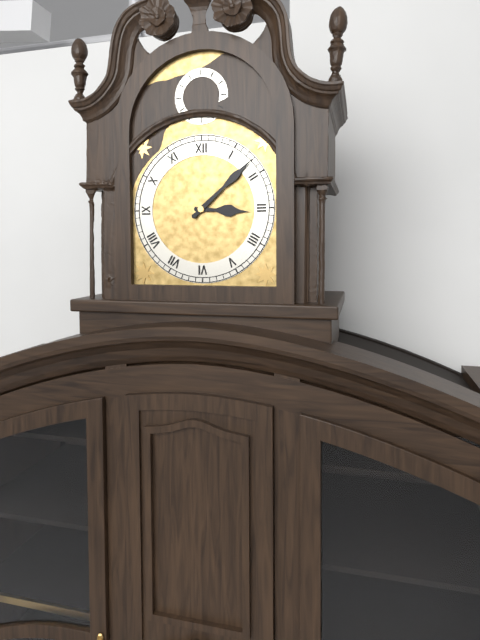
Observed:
3.08
